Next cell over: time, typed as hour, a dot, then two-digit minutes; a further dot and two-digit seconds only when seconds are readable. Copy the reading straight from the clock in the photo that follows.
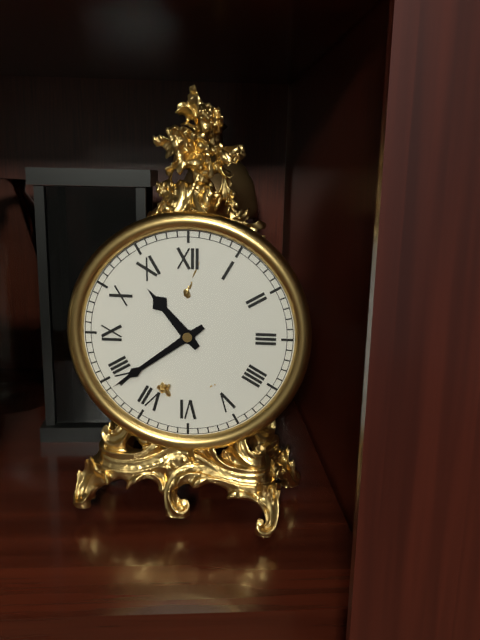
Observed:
10.39
